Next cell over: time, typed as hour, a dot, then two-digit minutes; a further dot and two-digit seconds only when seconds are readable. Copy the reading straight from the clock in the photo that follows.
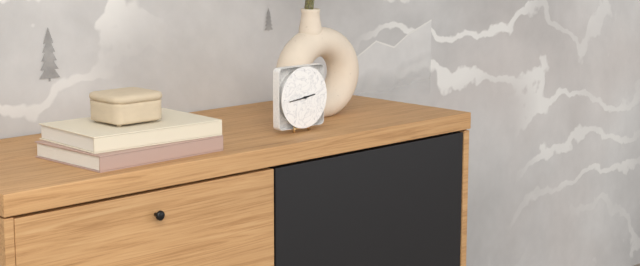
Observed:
2.44
